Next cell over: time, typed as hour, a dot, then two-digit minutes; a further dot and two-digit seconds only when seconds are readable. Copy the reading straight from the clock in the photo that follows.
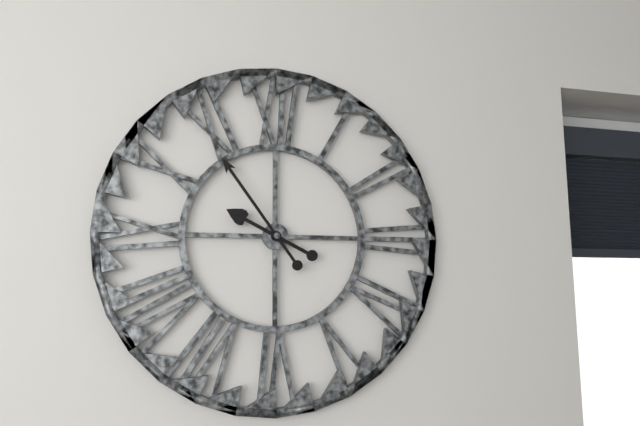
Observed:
9.54
